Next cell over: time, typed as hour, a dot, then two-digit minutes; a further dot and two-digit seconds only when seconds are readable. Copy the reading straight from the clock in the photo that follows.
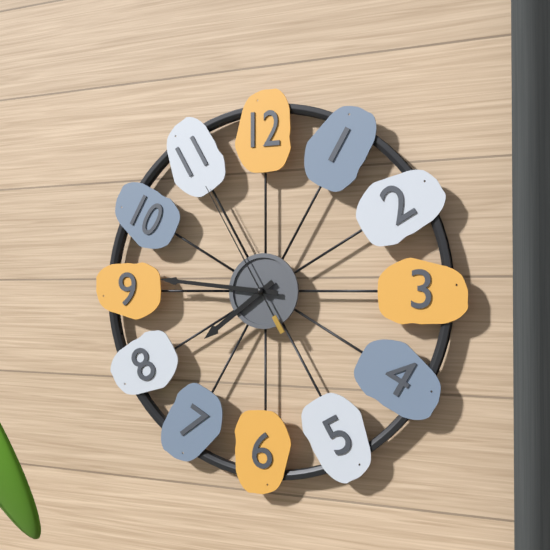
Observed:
7.46.55
